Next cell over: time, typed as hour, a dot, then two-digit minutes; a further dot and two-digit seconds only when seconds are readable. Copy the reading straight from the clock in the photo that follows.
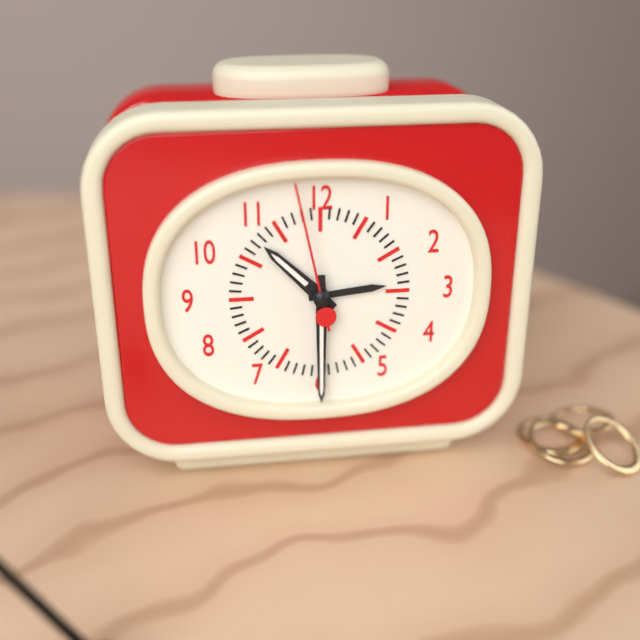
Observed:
10.30.58
